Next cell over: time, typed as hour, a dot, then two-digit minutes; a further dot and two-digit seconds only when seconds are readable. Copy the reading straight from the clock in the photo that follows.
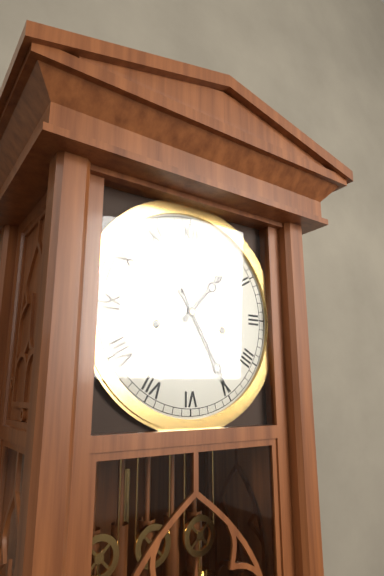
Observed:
1.25
